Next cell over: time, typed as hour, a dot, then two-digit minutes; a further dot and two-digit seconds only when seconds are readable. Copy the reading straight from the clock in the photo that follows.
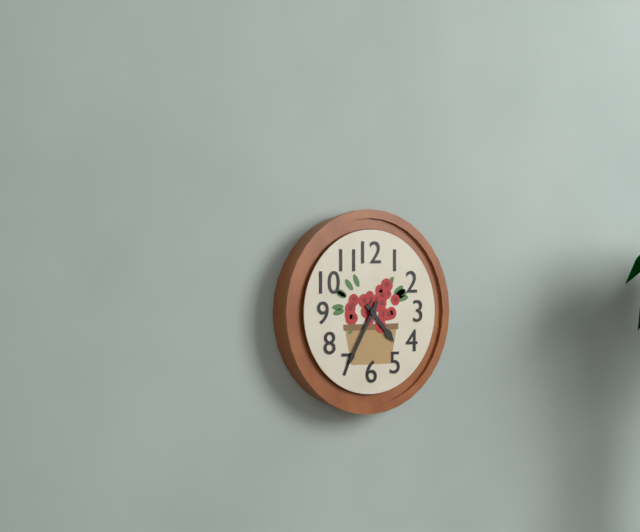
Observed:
4.35
